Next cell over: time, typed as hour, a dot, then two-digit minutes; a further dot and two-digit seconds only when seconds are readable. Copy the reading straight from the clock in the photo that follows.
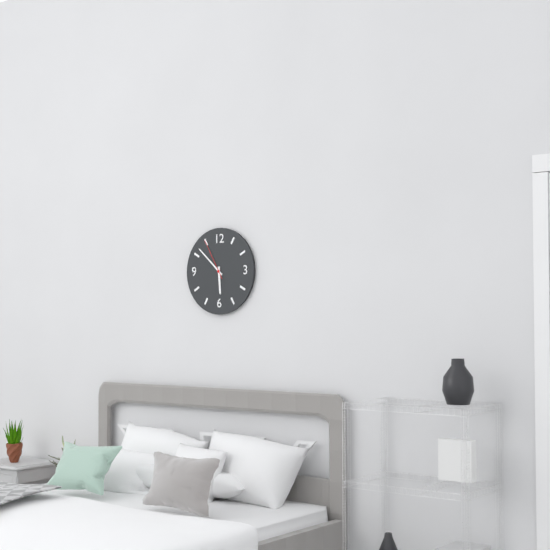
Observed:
5.52
